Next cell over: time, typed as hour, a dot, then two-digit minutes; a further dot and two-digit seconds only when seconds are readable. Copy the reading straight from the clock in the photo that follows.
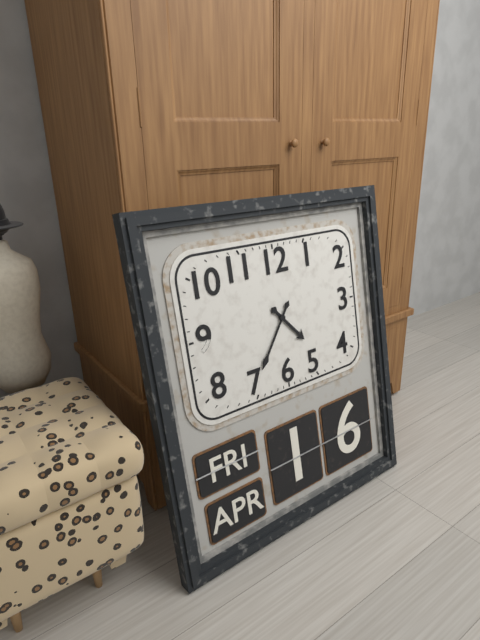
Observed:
4.36
